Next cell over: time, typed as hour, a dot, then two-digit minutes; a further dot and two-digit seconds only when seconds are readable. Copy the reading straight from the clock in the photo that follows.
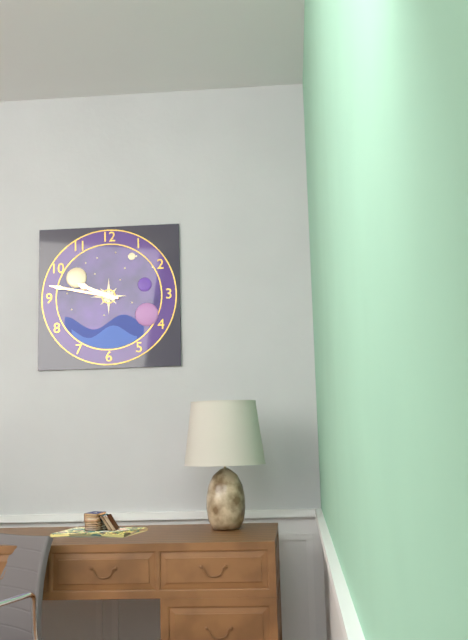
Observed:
9.47
